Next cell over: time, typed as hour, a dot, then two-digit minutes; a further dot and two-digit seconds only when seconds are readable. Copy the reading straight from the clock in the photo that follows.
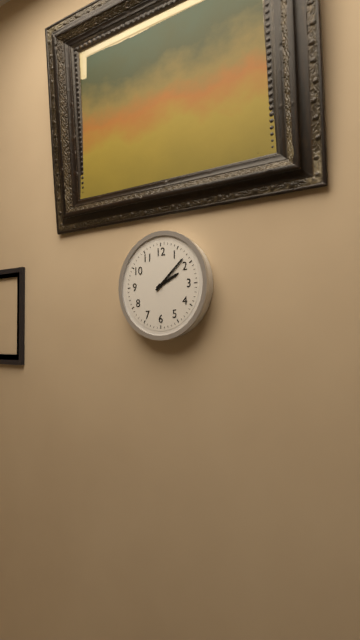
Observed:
2.08
